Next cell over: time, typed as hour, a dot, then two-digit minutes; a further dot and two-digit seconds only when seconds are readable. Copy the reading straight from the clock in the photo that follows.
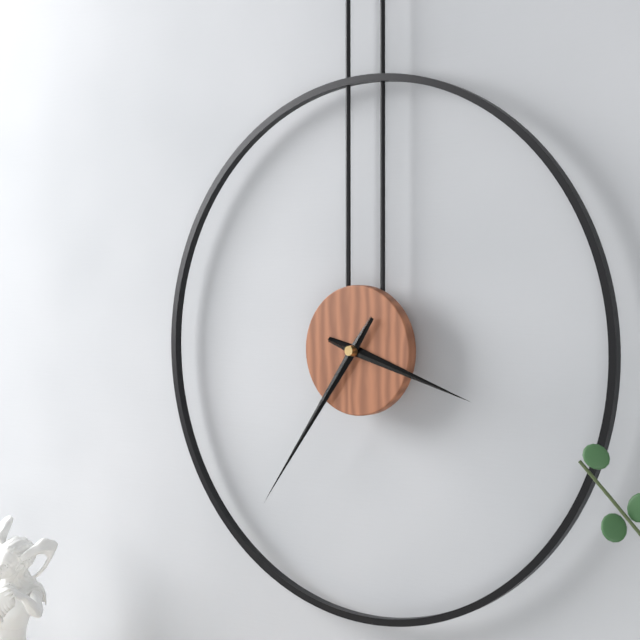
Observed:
3.36
